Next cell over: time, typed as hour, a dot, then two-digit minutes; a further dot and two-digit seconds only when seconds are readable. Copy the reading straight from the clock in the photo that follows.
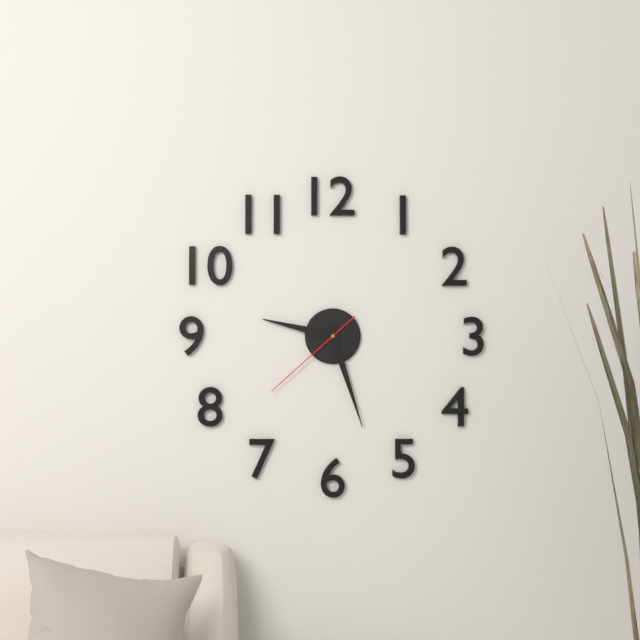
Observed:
9.27.38
